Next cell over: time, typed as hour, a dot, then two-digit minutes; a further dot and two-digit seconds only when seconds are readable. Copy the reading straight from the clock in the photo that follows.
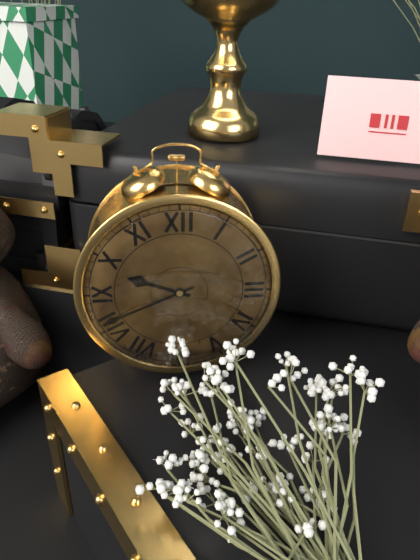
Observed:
9.41
